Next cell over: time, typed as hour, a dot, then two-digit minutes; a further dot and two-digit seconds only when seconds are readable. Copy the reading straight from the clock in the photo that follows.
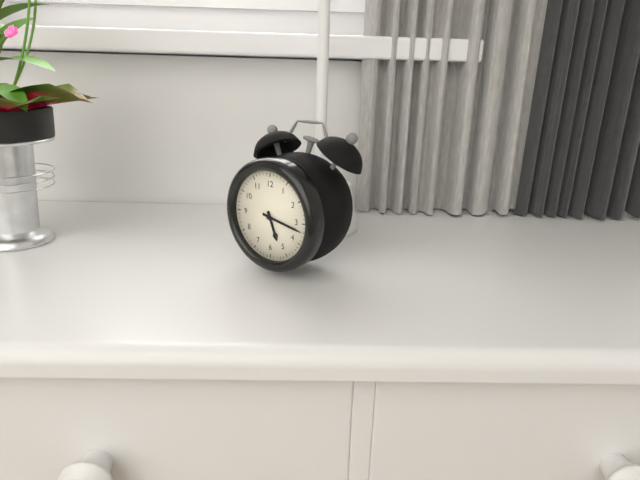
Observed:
5.17
